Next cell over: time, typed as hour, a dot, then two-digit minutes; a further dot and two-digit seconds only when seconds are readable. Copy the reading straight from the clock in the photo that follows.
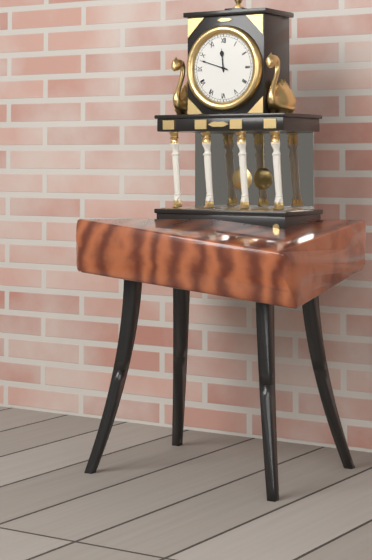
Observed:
11.48
